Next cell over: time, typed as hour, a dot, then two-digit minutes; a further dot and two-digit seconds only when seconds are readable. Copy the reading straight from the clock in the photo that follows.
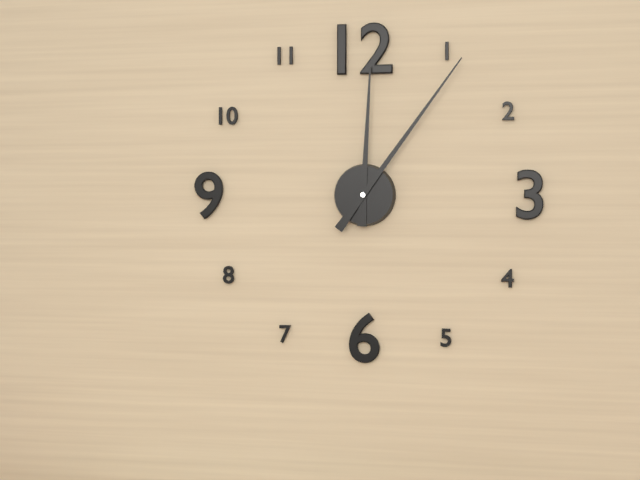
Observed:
12.06
